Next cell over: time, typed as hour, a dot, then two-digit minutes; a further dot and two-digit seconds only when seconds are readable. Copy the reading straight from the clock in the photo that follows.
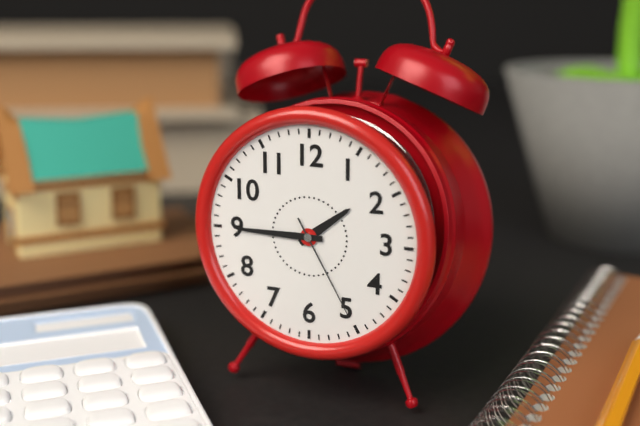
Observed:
1.45.25
